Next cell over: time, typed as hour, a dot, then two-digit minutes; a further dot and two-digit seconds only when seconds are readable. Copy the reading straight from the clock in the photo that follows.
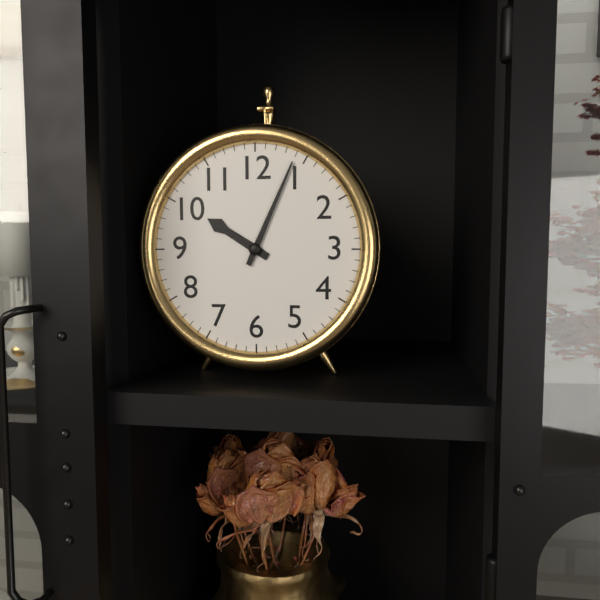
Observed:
10.04
